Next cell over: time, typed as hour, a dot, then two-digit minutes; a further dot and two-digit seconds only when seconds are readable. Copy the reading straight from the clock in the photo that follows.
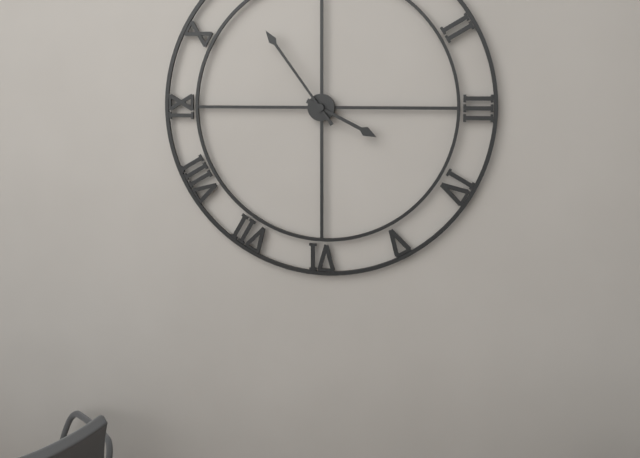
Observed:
3.54
